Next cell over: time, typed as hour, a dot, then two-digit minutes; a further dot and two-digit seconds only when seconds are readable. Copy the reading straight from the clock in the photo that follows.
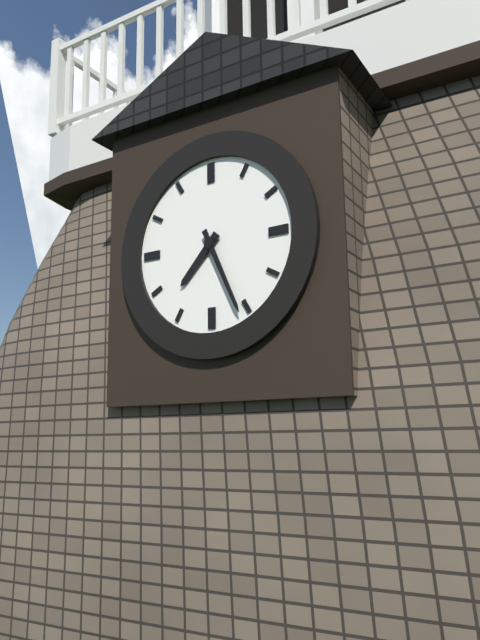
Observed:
7.26
